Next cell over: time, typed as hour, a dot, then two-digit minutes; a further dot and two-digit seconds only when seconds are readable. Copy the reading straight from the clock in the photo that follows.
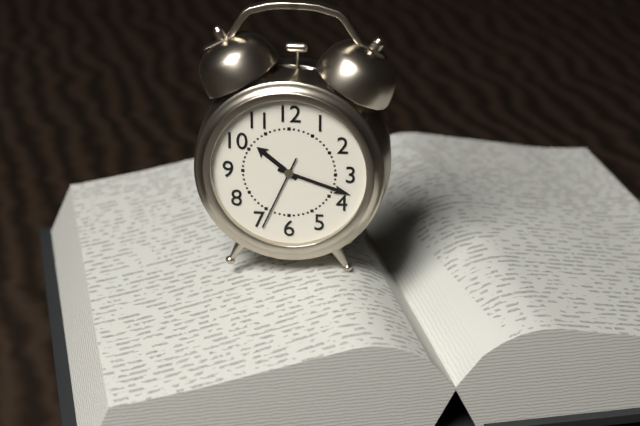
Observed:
10.18.34
